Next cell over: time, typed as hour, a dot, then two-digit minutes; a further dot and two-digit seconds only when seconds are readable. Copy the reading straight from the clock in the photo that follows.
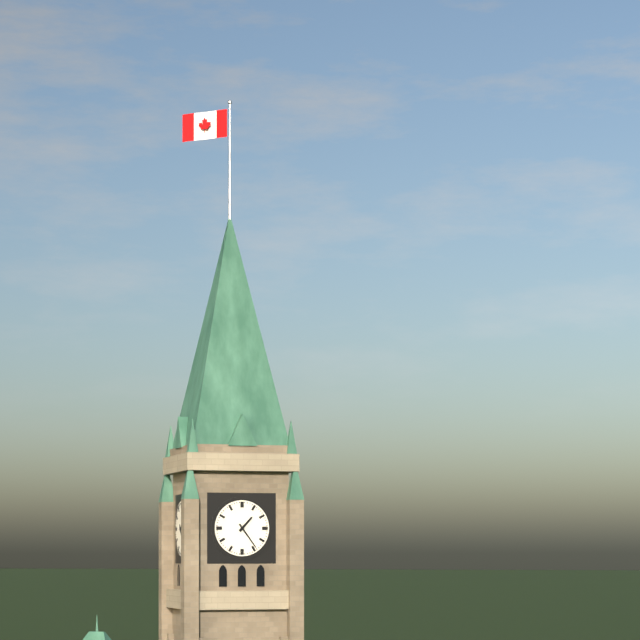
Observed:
1.24
